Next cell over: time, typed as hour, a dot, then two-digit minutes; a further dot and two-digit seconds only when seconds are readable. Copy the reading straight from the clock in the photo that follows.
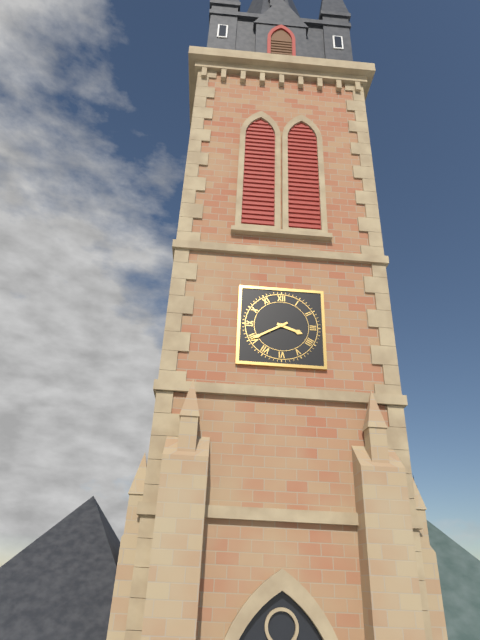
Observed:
3.40
